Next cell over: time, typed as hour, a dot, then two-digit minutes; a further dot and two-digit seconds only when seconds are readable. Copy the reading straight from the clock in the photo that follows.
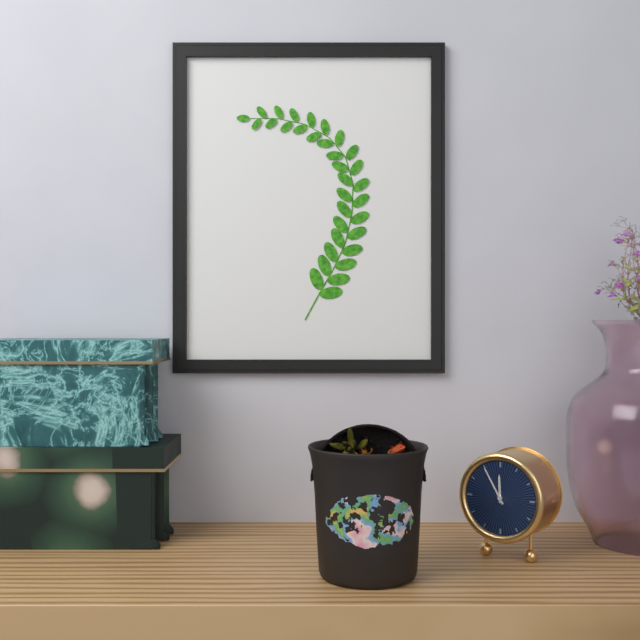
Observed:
11.55
